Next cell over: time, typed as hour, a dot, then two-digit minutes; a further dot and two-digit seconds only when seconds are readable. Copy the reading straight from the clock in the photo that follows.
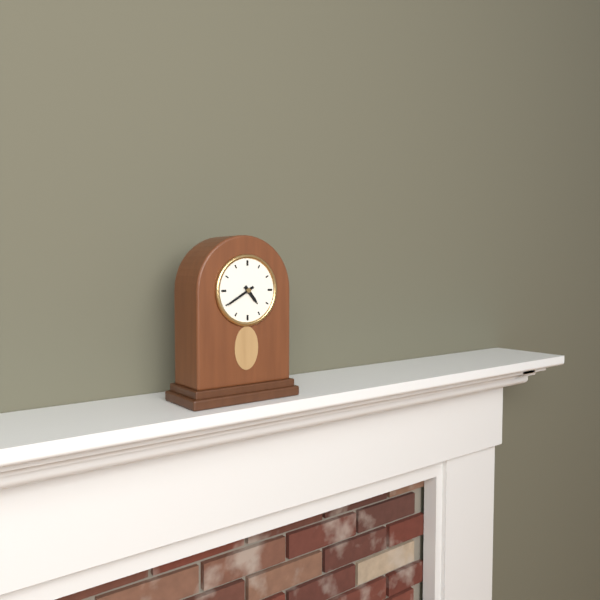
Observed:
4.40
